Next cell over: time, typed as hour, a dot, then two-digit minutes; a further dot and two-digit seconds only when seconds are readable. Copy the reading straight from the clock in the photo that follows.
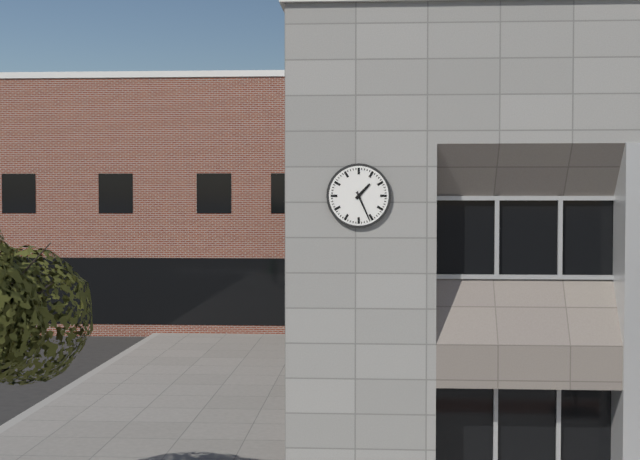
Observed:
1.26
